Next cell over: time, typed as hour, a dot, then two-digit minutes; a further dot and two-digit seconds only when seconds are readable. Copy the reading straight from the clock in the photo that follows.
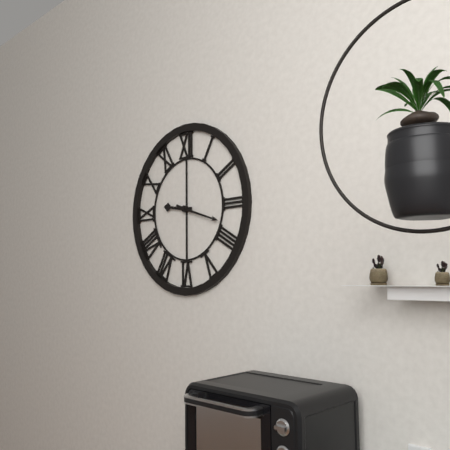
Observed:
9.18
